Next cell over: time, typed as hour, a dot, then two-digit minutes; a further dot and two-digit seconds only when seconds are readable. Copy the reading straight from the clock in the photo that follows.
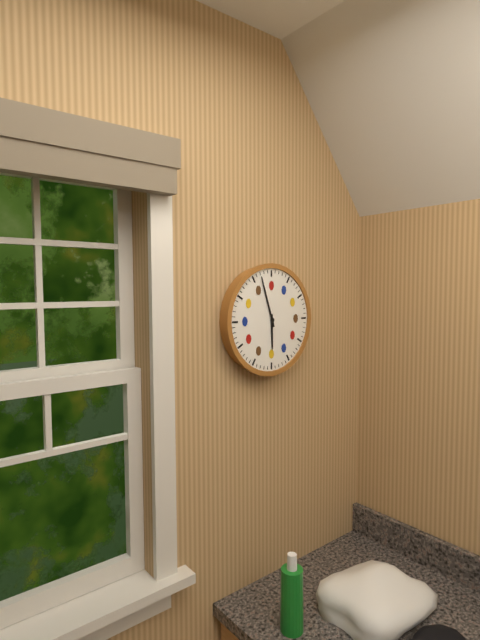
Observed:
5.57
